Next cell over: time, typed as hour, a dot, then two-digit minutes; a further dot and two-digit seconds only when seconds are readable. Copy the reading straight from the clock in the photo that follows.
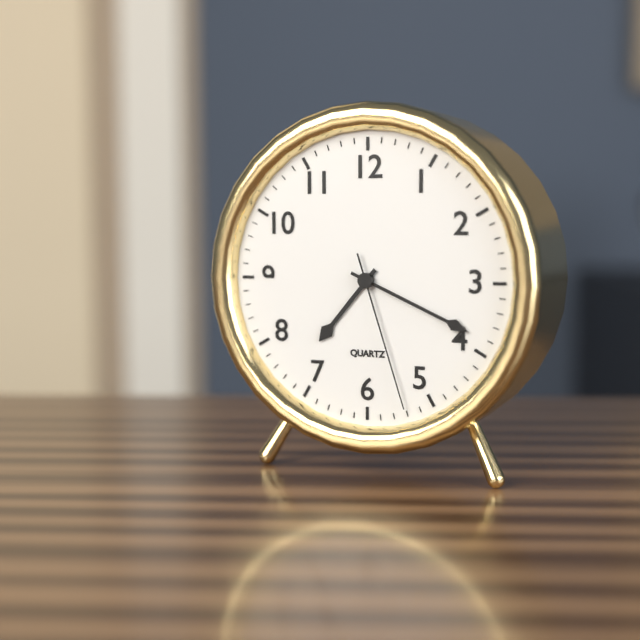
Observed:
7.19.27
